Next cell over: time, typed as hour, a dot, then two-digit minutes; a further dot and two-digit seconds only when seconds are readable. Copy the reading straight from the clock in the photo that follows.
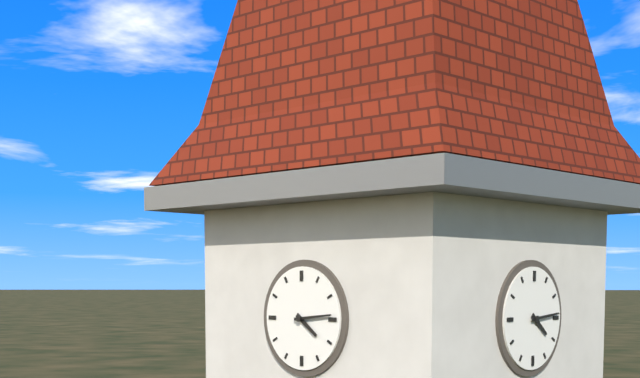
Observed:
4.14
